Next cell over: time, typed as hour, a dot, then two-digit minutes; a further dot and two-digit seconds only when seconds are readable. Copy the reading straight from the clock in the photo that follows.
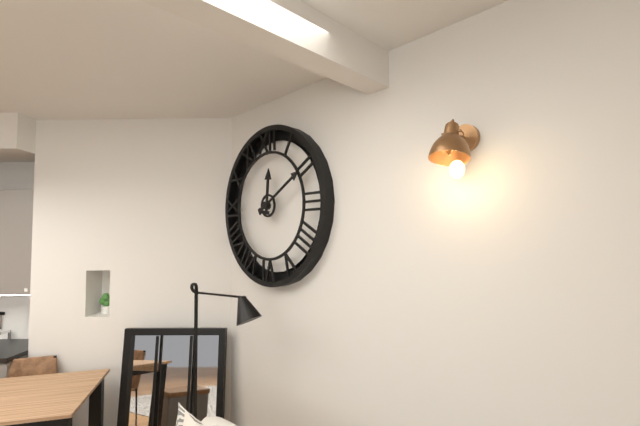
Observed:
12.10
